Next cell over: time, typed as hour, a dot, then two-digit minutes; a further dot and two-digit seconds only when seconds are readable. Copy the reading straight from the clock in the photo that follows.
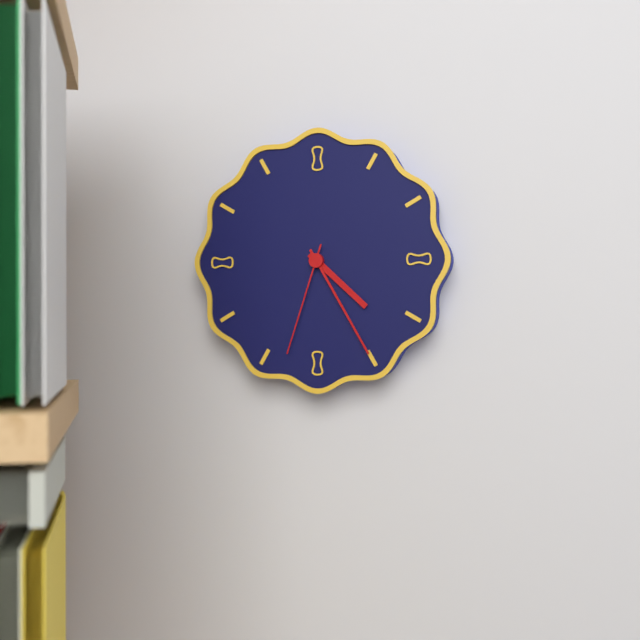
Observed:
4.25.33
